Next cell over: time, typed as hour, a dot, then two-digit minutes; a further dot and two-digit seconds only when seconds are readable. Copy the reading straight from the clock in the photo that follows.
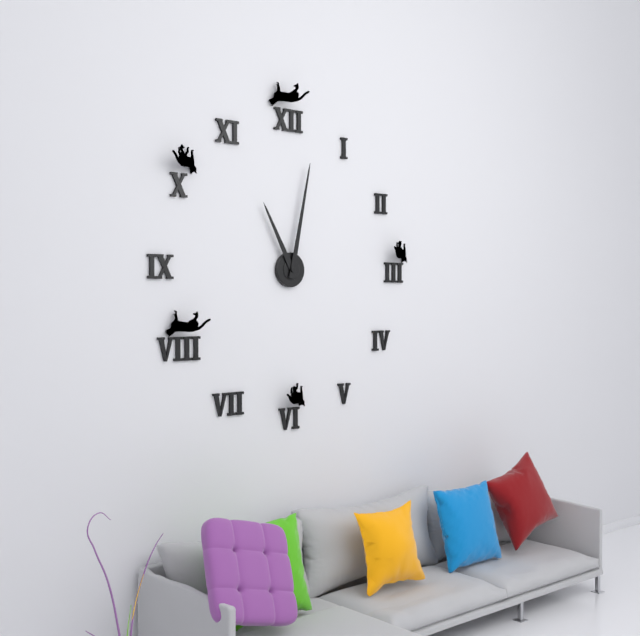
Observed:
11.02
